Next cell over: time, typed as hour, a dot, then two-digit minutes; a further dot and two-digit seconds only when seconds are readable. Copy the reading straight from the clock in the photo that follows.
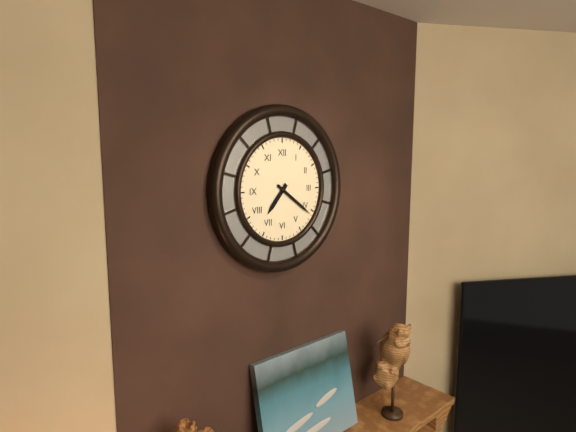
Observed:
7.21
